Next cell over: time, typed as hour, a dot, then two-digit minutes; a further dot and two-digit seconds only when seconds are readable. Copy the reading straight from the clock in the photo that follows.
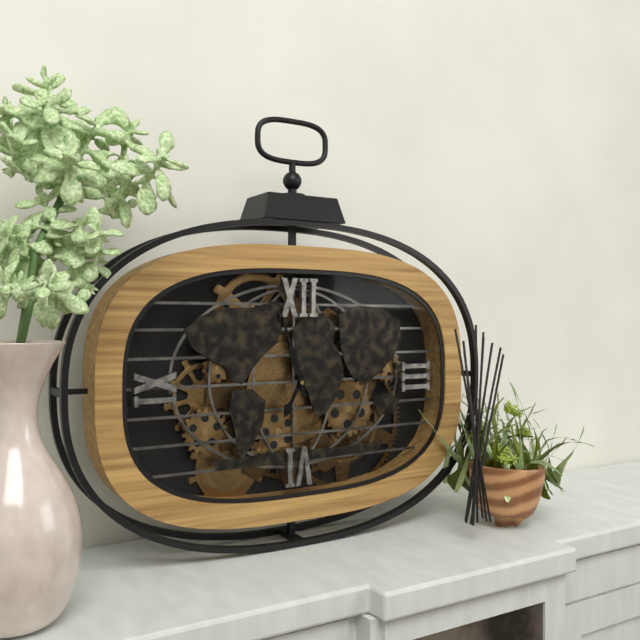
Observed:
6.57
